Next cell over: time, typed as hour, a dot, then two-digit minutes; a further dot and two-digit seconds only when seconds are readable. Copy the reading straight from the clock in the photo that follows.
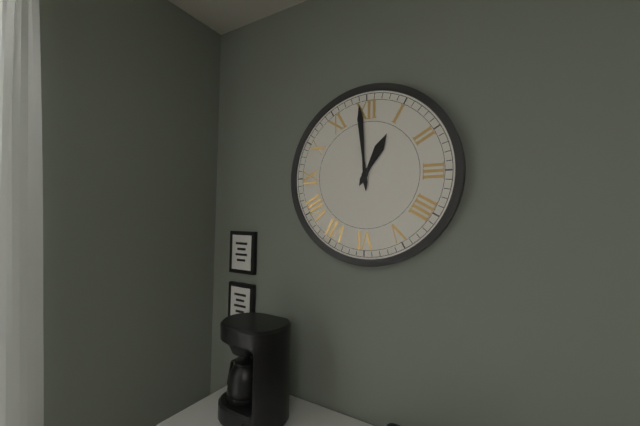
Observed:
12.59
